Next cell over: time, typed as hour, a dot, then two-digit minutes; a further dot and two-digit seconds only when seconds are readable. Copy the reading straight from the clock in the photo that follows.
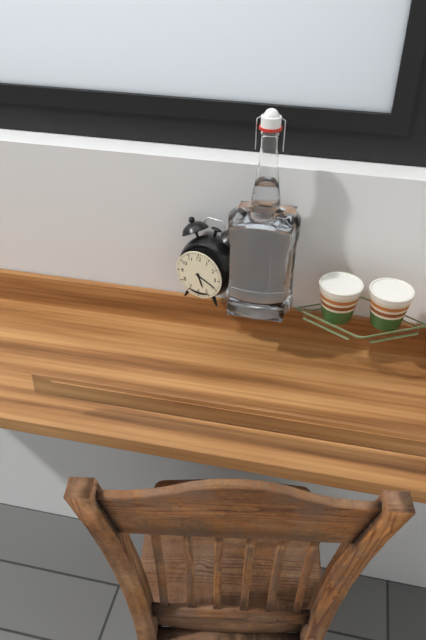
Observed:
5.19
